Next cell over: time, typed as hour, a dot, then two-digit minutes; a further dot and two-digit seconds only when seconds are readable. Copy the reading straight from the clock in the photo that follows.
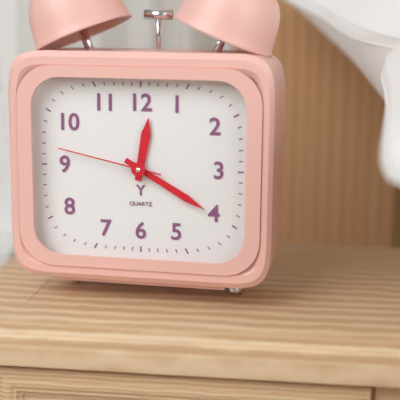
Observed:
12.20.47
